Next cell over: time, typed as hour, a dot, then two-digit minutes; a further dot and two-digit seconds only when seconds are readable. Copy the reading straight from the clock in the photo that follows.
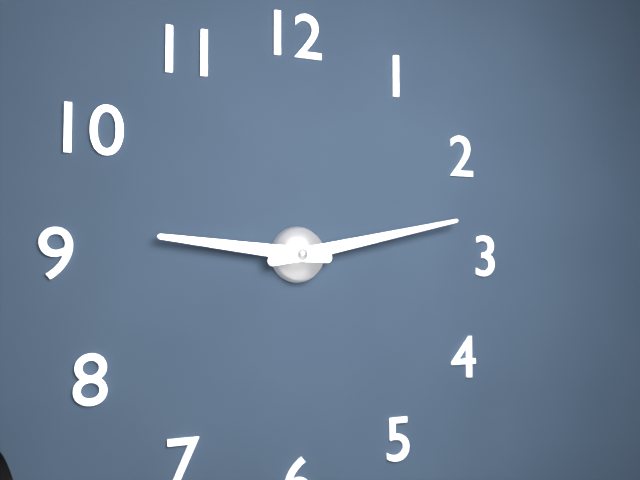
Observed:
9.13
